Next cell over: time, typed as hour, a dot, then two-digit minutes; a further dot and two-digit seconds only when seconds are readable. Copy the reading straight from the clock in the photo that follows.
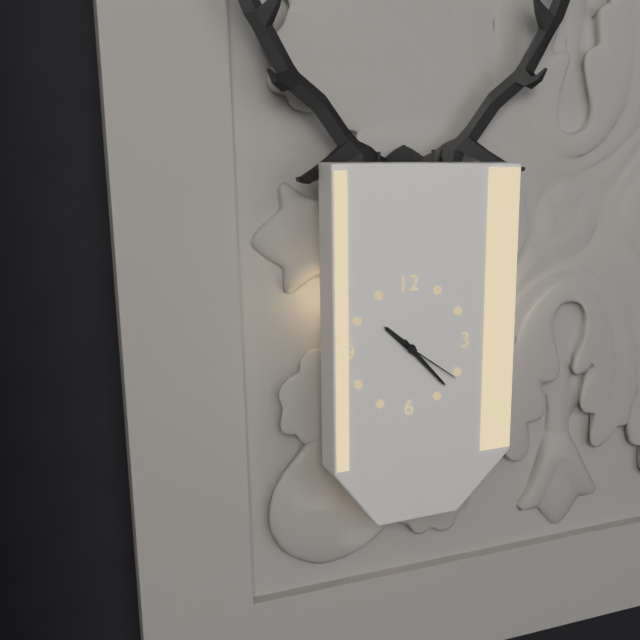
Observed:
10.23.21
